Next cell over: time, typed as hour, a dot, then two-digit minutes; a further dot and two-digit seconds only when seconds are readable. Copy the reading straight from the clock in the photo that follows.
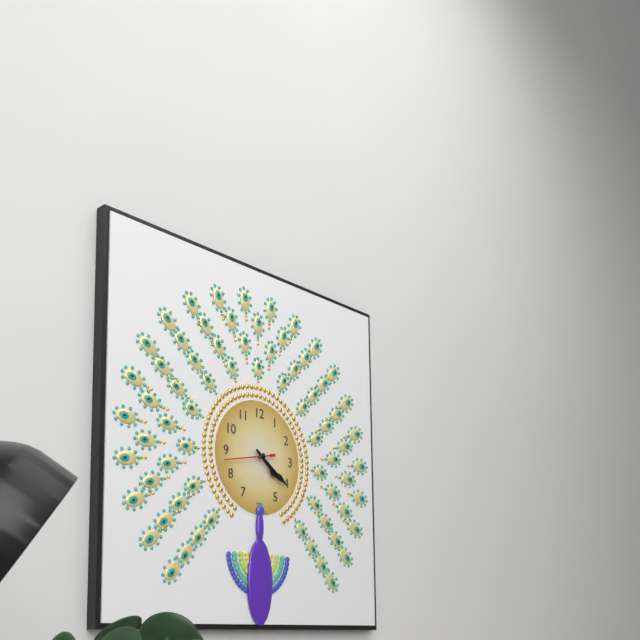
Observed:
4.21
